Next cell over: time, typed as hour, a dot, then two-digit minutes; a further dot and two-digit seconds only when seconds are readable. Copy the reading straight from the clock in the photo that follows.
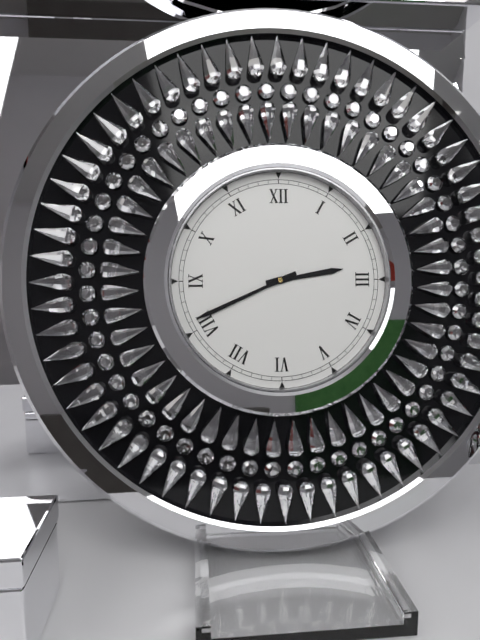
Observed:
2.41
